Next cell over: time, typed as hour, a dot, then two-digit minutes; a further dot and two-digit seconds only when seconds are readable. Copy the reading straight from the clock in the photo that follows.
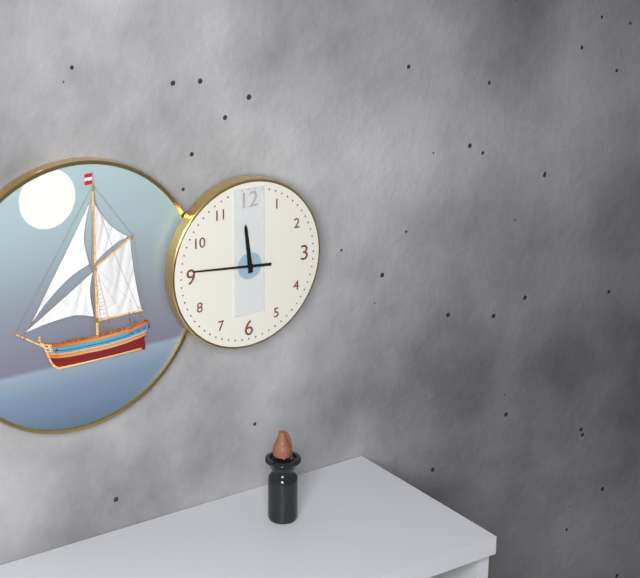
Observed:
11.46
